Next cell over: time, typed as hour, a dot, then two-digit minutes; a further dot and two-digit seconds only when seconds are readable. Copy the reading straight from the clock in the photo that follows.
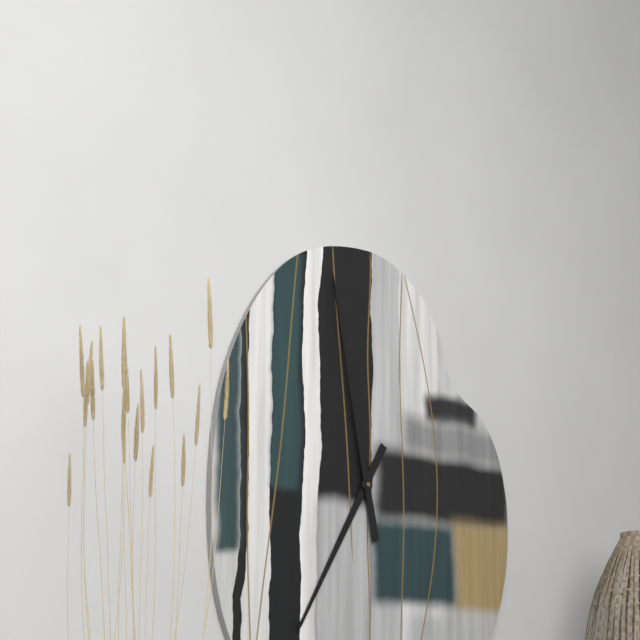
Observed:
6.58
